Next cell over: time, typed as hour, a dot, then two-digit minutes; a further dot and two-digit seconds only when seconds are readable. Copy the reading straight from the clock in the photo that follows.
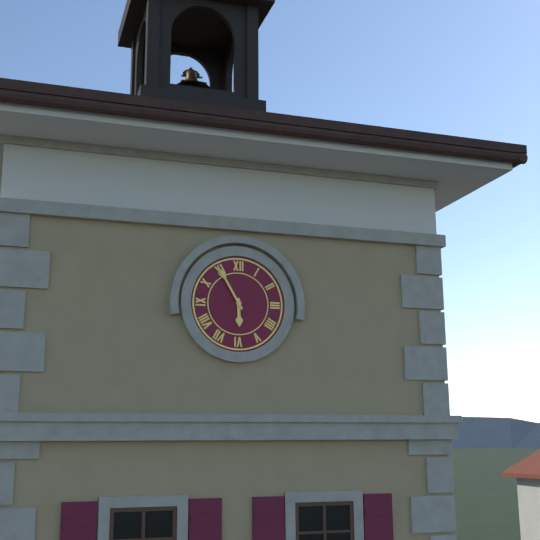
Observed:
5.55
